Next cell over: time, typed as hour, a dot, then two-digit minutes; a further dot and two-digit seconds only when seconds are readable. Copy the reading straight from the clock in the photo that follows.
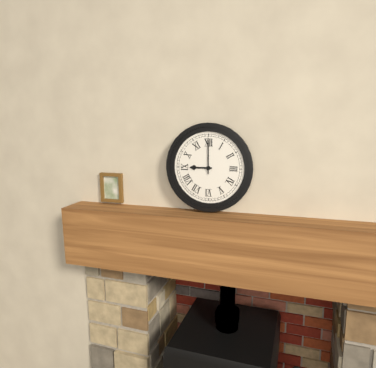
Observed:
9.00
